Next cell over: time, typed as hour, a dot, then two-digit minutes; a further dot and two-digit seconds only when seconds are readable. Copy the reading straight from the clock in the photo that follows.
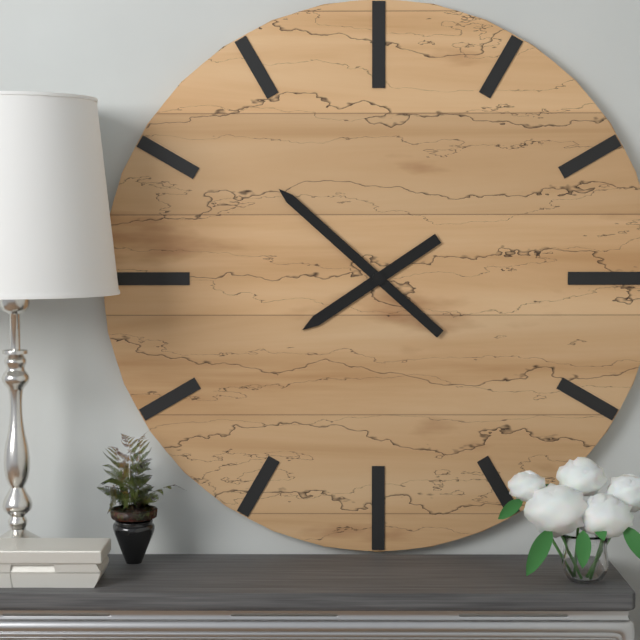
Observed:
7.52
